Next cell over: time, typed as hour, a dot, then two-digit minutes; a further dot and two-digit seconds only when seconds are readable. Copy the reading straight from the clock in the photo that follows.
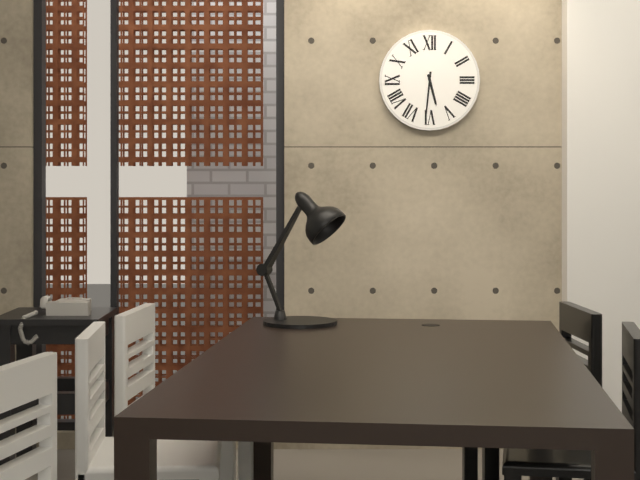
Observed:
5.31
